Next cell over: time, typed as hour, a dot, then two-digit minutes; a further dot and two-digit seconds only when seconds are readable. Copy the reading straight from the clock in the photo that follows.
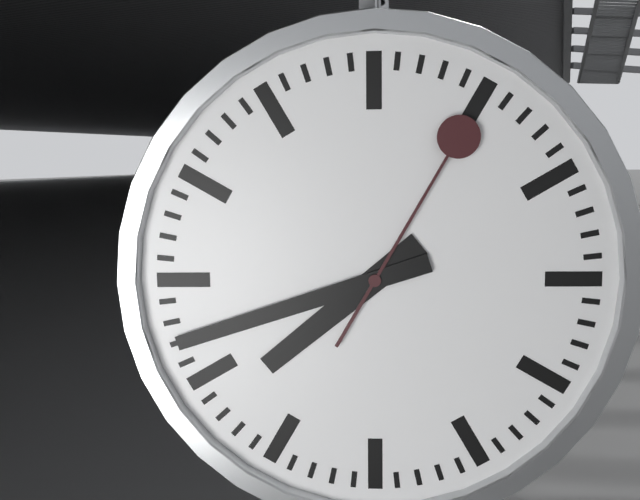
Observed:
7.42.05
